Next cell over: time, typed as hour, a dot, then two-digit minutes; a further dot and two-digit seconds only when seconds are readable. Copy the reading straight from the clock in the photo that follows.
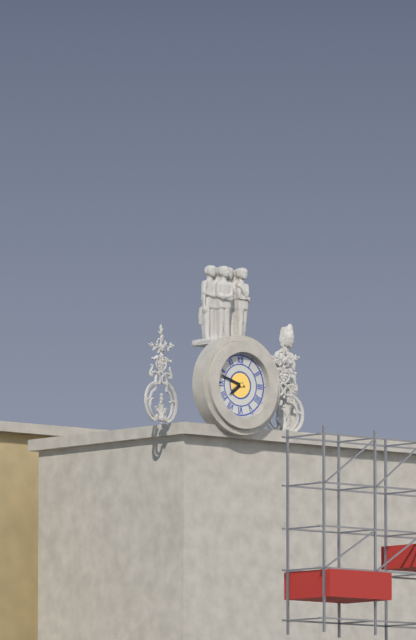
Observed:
7.48
